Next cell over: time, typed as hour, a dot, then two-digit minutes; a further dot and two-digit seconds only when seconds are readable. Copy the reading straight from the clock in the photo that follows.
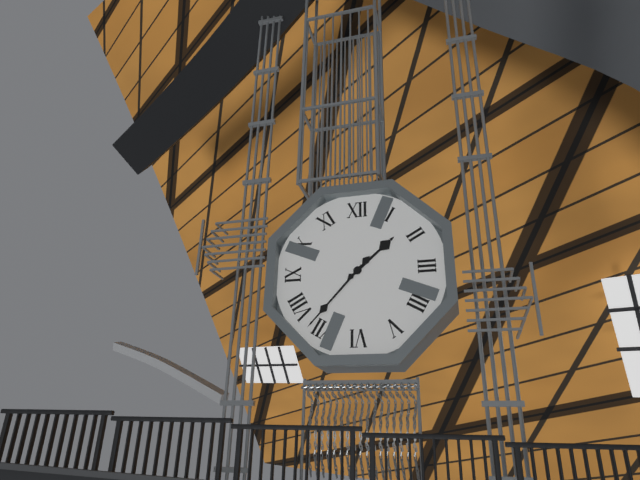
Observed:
1.37
